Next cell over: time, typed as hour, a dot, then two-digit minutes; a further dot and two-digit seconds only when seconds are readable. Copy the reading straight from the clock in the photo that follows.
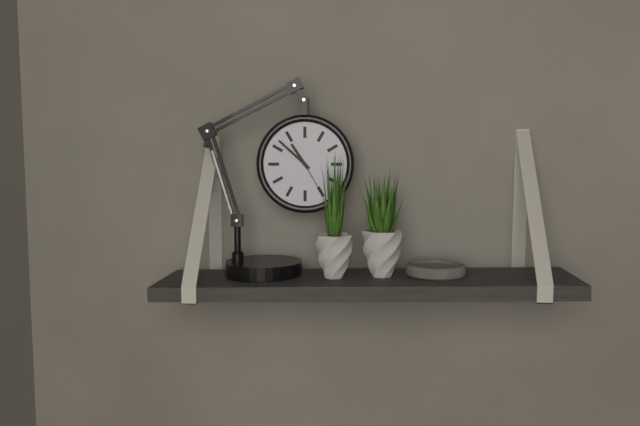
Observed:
10.52
